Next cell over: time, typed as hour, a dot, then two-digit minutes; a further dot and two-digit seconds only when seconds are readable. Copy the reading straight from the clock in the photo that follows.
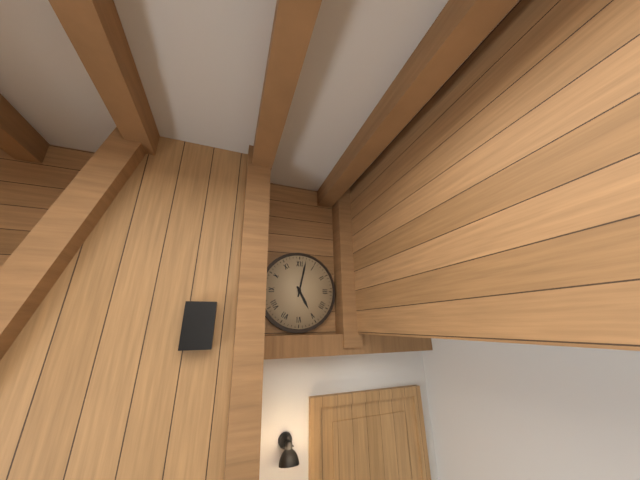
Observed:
5.02
